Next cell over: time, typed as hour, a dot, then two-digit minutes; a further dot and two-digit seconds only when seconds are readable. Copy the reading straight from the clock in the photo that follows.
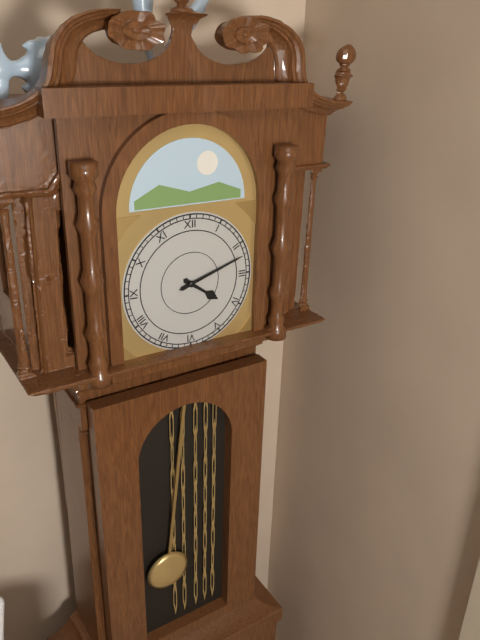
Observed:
4.12
